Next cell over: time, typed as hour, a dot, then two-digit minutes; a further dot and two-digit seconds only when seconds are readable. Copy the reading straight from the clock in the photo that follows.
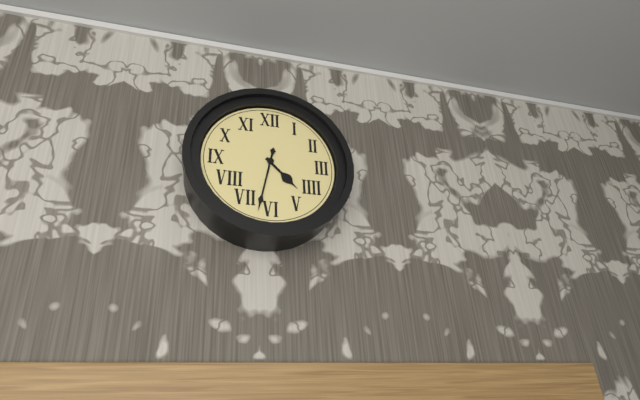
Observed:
4.32
